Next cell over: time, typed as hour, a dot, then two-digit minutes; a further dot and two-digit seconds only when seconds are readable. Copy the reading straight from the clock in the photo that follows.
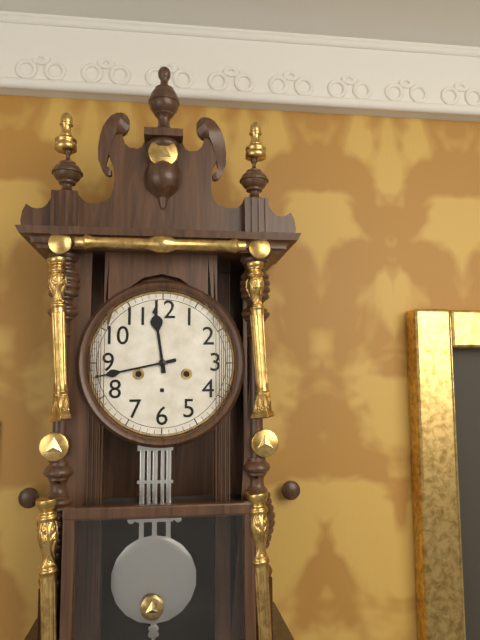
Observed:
11.43
